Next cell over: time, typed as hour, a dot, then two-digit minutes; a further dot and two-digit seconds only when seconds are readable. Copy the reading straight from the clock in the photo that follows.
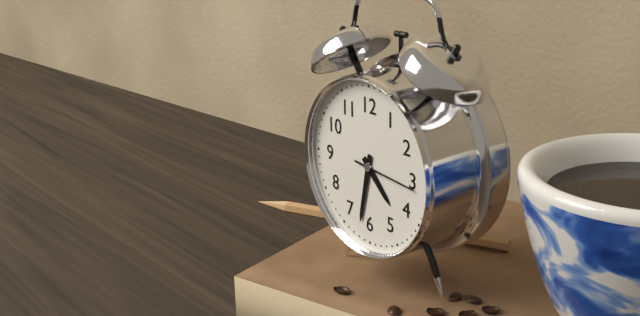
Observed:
4.32
